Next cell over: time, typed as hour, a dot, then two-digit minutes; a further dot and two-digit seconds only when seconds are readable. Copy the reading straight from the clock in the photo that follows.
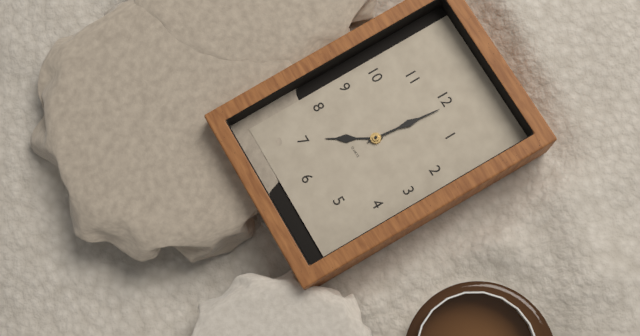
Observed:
7.01
